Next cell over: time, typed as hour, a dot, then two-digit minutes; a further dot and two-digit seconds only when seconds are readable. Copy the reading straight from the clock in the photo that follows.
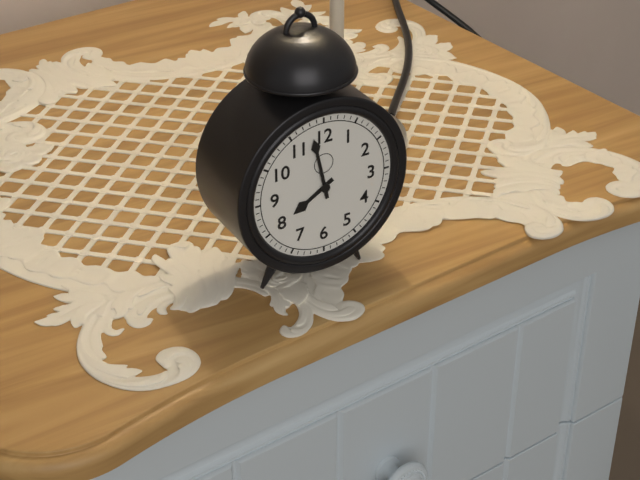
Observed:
7.58
